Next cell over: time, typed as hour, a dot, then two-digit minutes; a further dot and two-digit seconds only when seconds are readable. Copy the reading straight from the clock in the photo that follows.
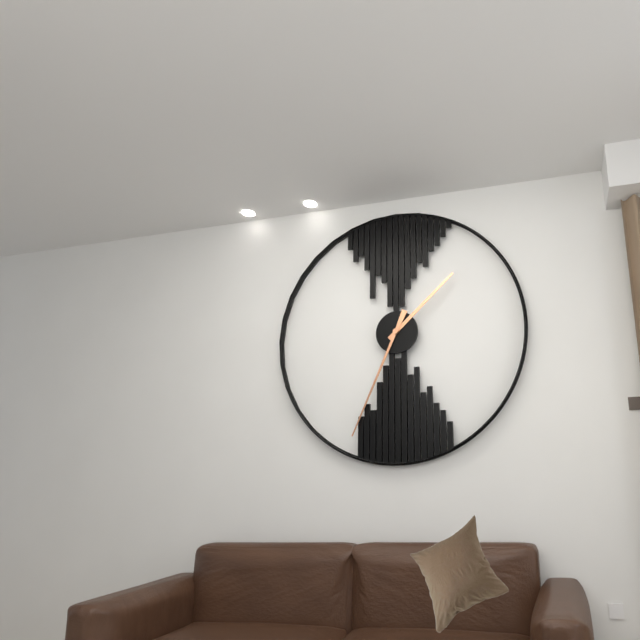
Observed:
1.34
